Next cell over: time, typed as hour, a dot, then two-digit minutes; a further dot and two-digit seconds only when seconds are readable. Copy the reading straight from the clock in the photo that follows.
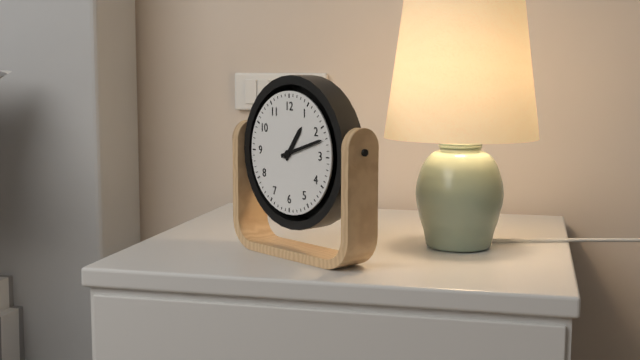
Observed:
1.12
